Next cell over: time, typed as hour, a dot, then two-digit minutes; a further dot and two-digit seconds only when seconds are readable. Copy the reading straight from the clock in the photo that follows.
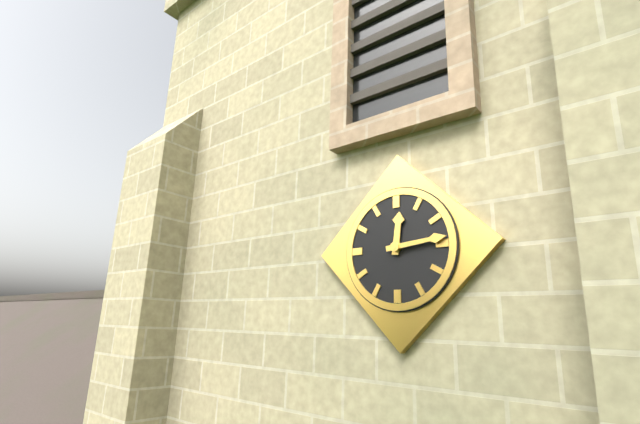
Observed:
12.14
